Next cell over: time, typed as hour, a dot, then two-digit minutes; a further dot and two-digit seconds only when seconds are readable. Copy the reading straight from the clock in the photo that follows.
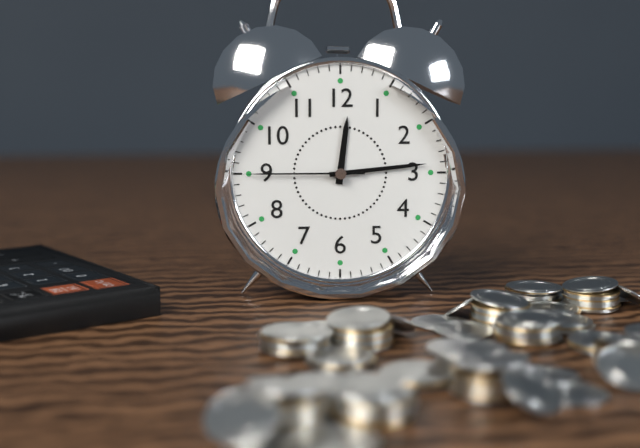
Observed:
12.14.45
